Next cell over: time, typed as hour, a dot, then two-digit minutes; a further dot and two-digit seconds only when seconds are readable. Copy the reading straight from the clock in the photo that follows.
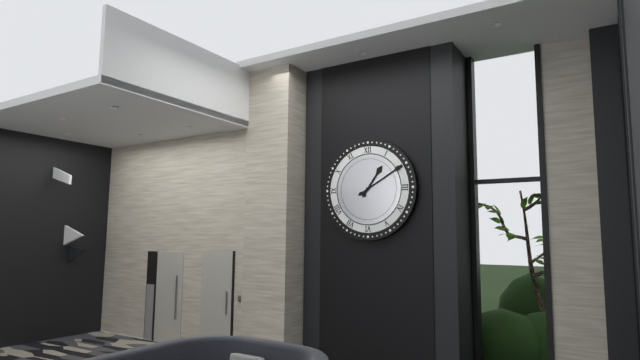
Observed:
1.10
